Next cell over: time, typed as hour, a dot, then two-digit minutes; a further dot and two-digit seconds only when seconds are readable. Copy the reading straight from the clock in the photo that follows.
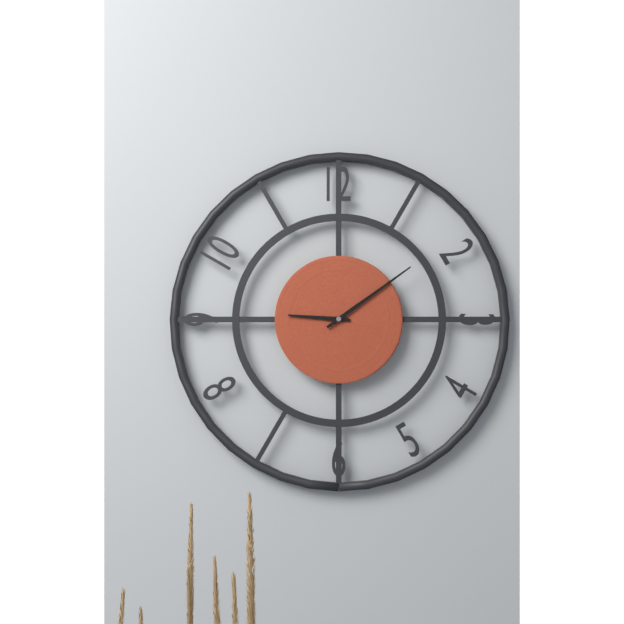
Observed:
9.09
